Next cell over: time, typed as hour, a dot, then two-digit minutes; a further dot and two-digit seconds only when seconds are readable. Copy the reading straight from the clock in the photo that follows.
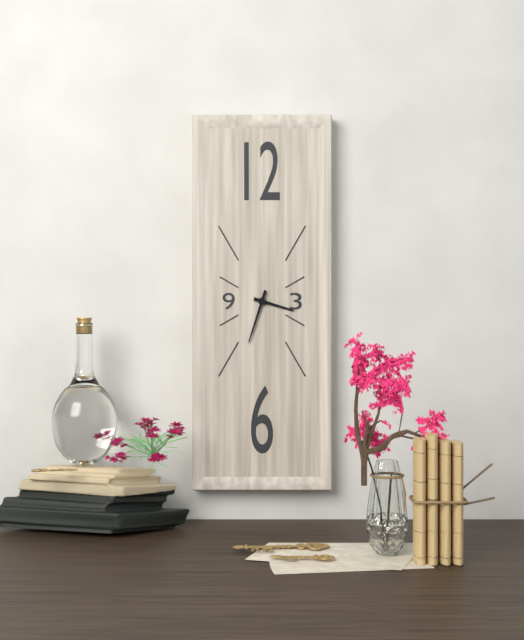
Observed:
3.33
